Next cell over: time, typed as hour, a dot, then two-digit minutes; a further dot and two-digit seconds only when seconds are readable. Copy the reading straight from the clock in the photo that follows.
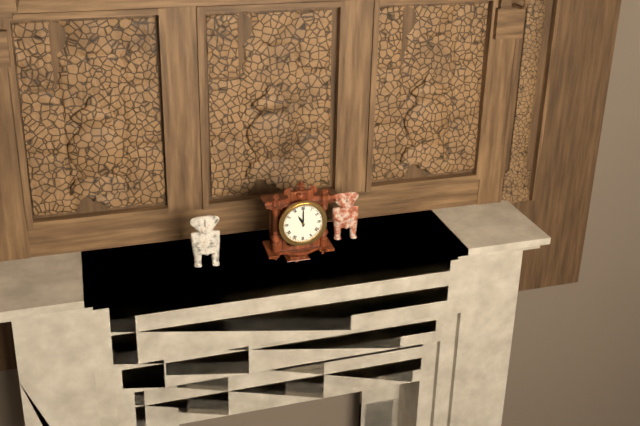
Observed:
11.00
